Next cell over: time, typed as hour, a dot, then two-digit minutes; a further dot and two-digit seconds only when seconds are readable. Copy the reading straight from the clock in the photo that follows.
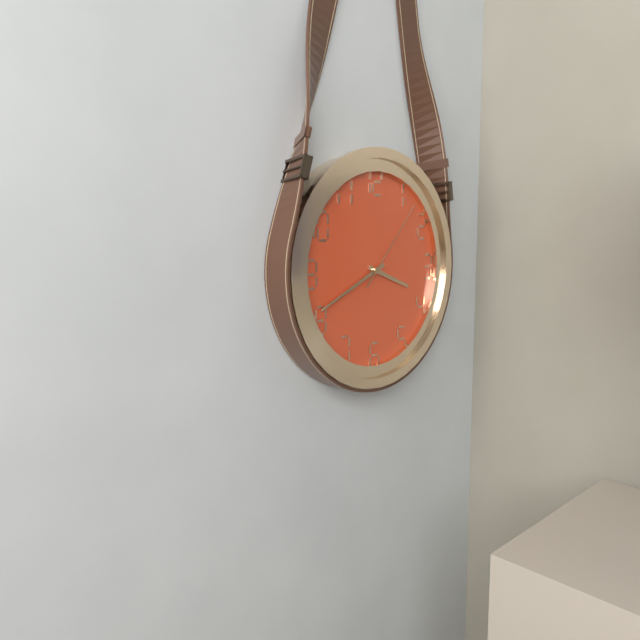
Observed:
3.41.07
